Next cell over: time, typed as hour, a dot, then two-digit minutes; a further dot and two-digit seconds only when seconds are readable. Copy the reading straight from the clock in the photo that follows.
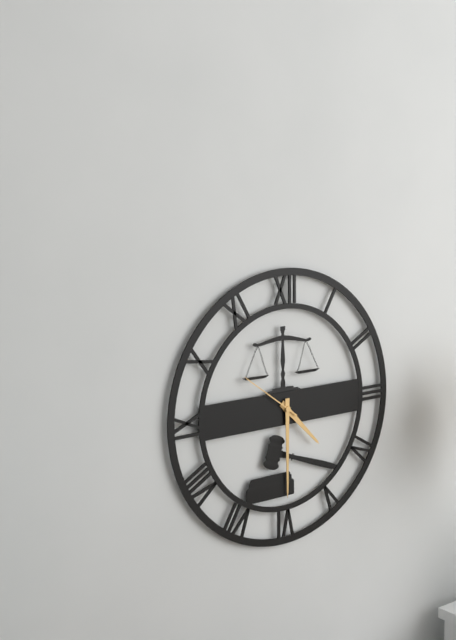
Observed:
4.30.51
